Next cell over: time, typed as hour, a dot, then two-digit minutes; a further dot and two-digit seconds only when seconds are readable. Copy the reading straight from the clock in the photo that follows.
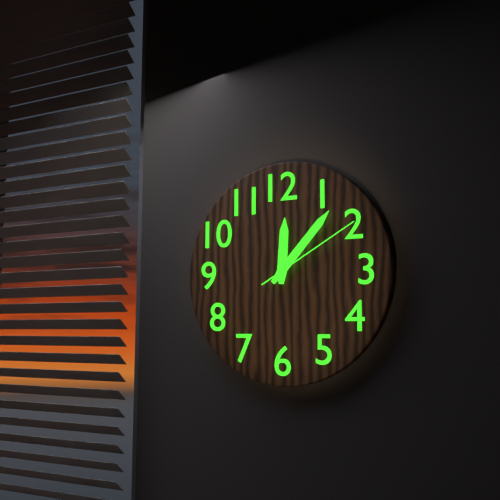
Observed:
12.07.10
